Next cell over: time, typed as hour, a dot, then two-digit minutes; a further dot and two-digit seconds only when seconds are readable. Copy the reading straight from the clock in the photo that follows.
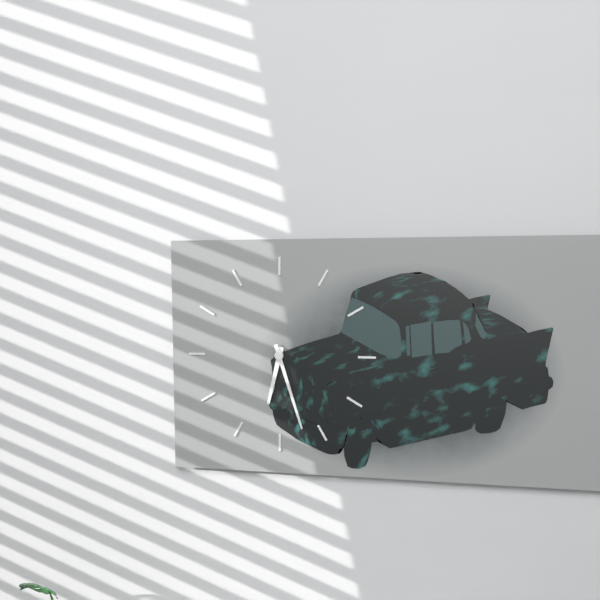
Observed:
6.27
